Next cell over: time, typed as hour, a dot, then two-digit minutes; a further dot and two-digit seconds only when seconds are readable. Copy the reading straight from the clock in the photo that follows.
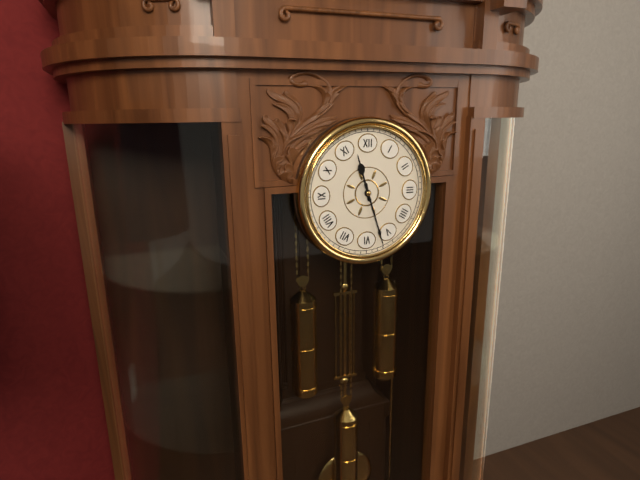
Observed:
11.27
